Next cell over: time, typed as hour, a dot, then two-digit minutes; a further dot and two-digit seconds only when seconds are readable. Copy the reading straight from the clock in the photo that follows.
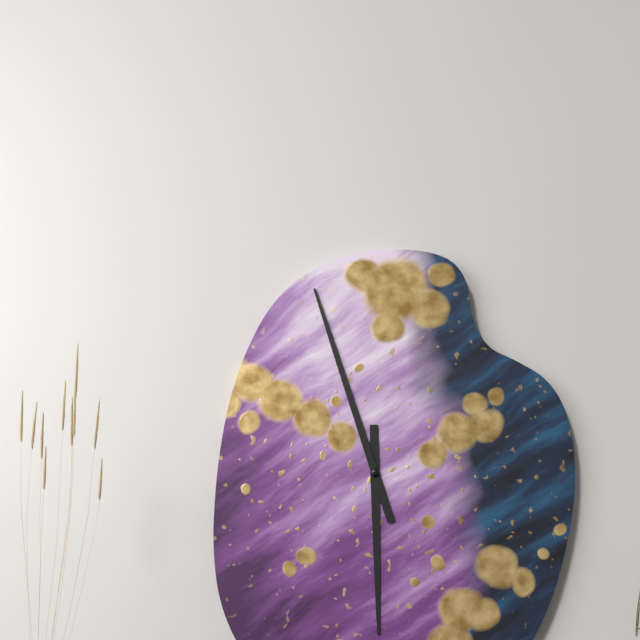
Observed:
5.57
